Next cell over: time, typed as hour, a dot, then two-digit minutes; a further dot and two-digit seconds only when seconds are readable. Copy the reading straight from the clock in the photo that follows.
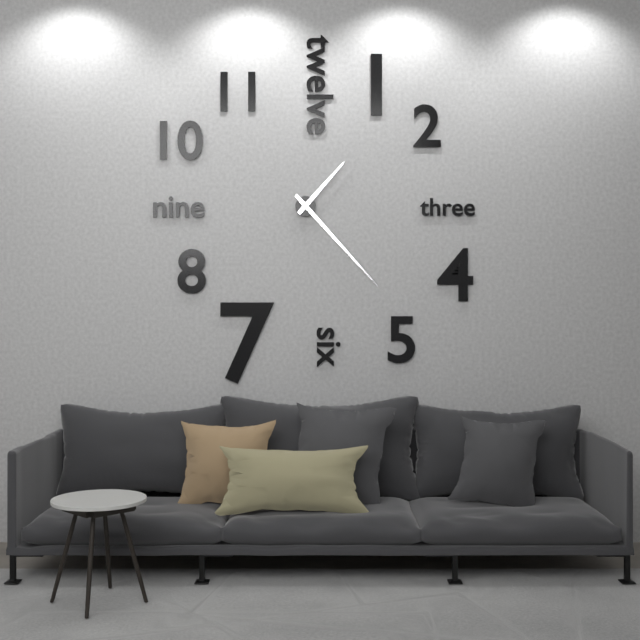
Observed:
1.23
